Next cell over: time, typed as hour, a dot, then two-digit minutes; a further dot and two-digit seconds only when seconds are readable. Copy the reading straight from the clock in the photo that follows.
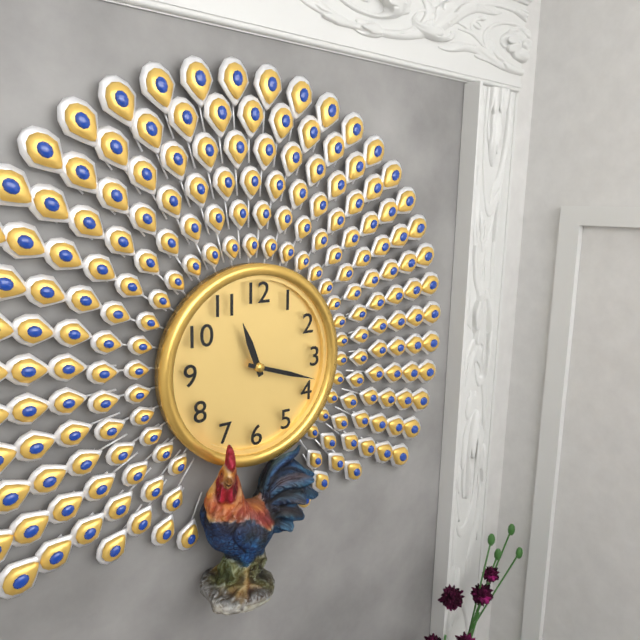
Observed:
11.18
